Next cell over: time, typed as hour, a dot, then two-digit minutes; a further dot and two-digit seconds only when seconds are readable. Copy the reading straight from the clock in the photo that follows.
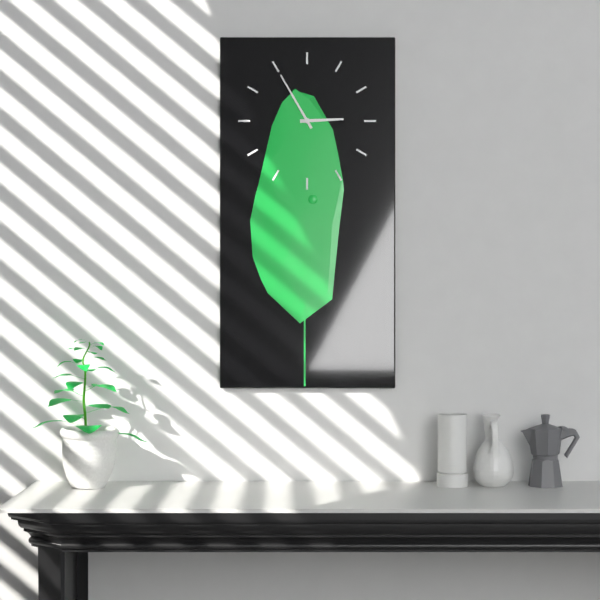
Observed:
2.55
